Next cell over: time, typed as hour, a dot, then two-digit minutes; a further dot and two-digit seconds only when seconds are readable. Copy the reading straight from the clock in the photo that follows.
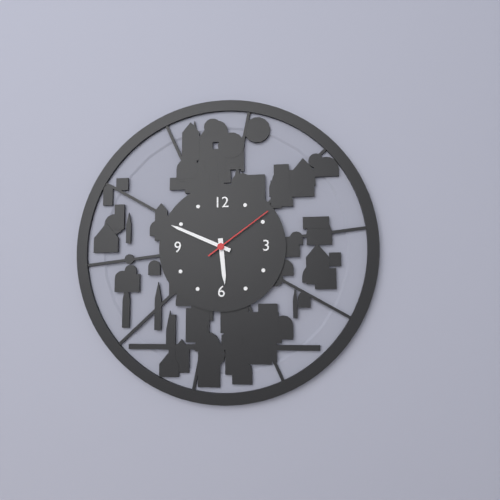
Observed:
5.49.09
